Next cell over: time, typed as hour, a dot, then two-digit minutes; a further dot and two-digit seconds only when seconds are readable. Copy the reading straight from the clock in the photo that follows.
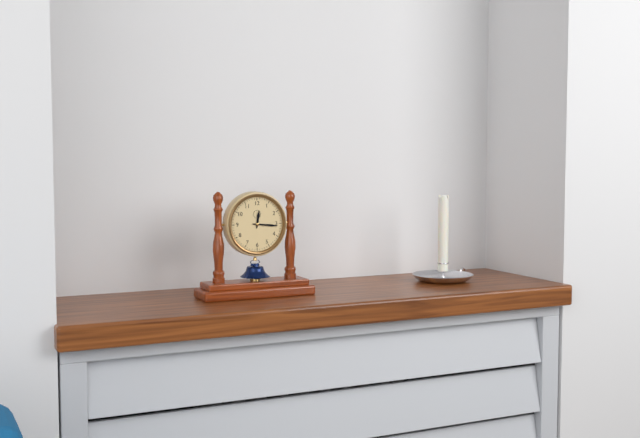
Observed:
12.16
